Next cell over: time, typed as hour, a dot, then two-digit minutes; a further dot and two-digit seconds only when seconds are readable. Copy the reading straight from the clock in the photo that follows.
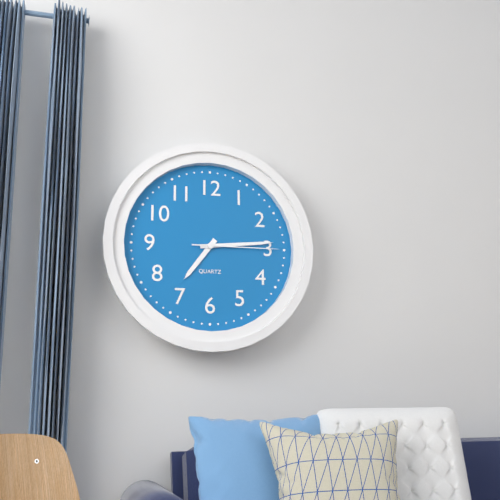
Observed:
7.14.15
